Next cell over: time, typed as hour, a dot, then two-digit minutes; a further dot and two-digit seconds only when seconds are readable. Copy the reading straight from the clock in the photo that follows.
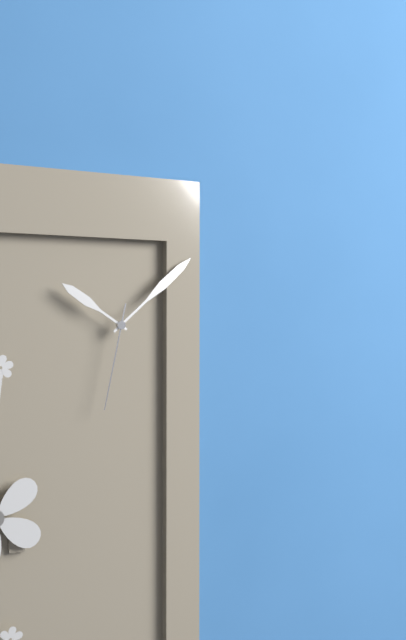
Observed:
10.08.32
